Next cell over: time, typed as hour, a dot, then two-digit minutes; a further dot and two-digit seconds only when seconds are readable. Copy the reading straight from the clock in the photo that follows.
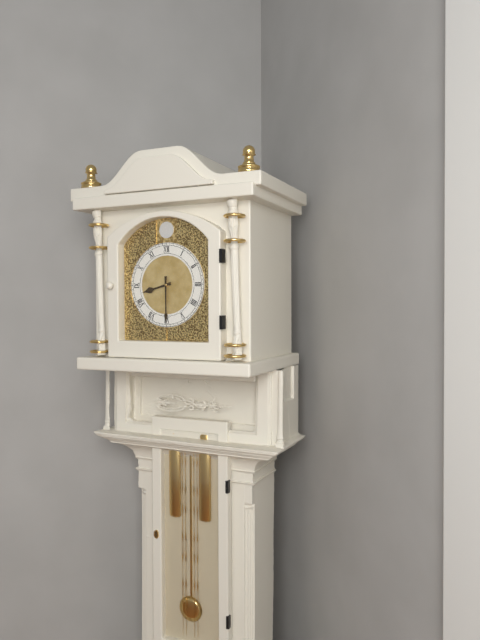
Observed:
8.30
